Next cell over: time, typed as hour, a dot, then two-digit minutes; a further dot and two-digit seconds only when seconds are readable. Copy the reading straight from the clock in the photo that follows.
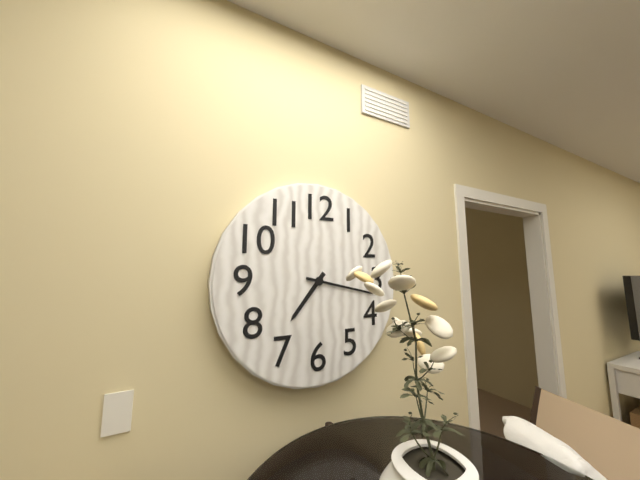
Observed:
7.17
